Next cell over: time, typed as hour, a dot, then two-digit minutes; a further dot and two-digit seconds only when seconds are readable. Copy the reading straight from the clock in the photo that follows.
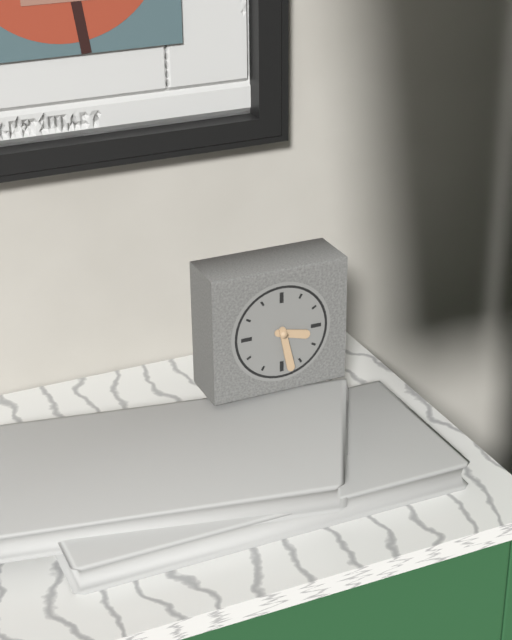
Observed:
3.28
